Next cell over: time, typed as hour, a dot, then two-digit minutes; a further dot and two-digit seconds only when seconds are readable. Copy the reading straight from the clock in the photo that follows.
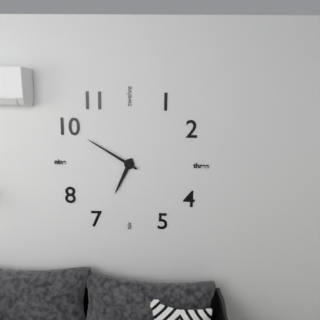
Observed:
6.50
